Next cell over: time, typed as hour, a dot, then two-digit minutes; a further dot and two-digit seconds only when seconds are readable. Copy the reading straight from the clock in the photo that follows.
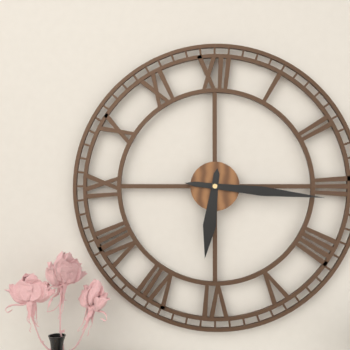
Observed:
6.16
